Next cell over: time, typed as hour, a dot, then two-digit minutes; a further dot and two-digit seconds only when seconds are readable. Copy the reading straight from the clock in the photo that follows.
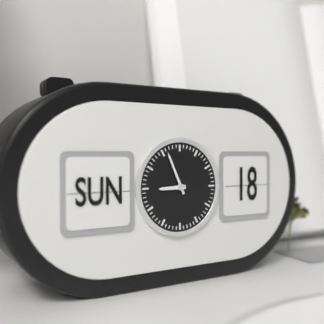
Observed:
8.56
